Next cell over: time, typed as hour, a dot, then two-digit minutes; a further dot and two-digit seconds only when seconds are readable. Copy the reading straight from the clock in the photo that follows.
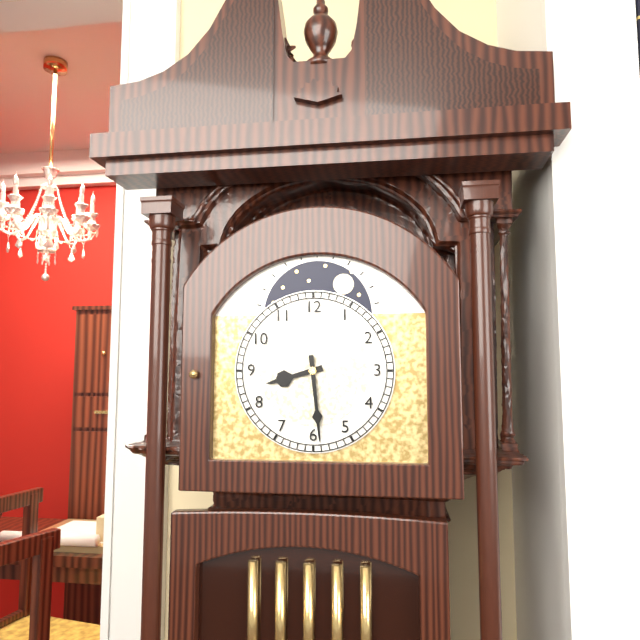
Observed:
8.29
